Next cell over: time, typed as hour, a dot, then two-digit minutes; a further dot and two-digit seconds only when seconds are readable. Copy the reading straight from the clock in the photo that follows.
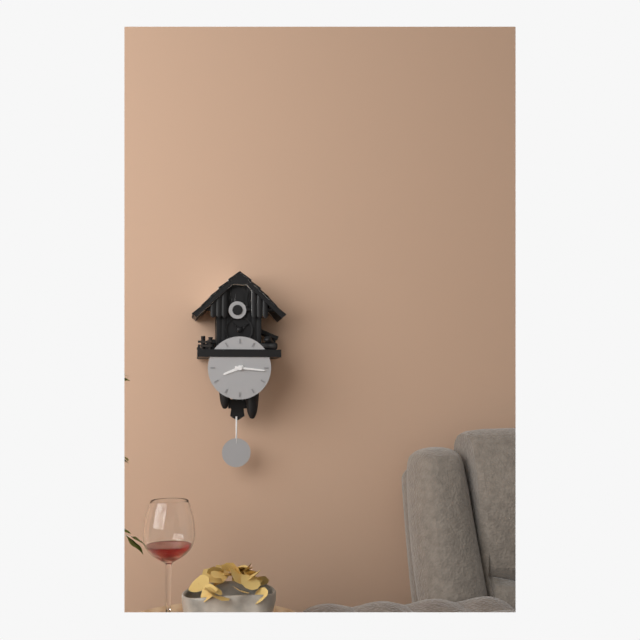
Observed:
8.16
